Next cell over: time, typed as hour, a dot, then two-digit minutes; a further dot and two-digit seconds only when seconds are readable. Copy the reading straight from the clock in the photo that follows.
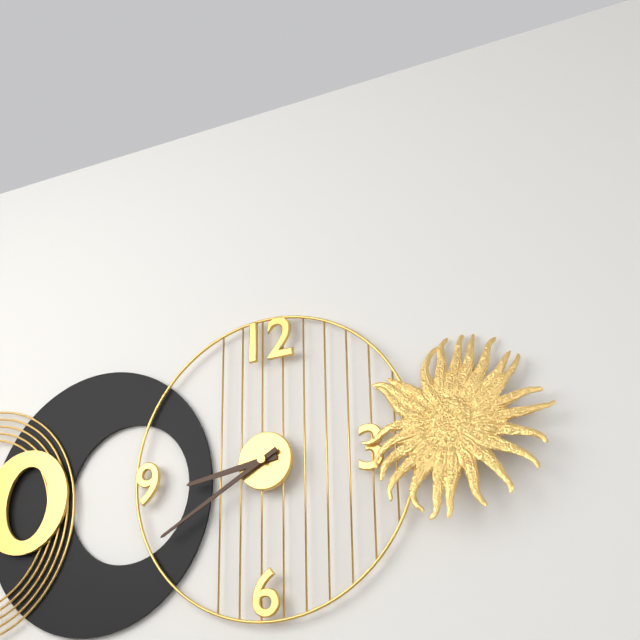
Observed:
8.40
